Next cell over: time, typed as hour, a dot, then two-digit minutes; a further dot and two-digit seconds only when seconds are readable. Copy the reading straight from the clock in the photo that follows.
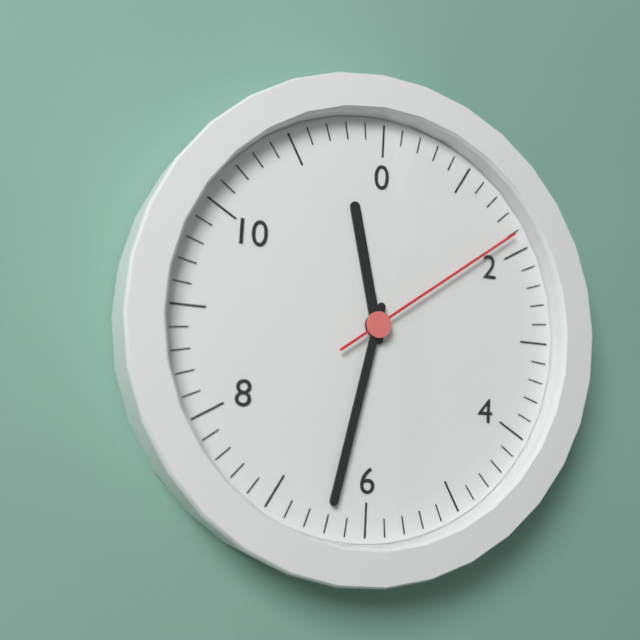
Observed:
11.32.09
